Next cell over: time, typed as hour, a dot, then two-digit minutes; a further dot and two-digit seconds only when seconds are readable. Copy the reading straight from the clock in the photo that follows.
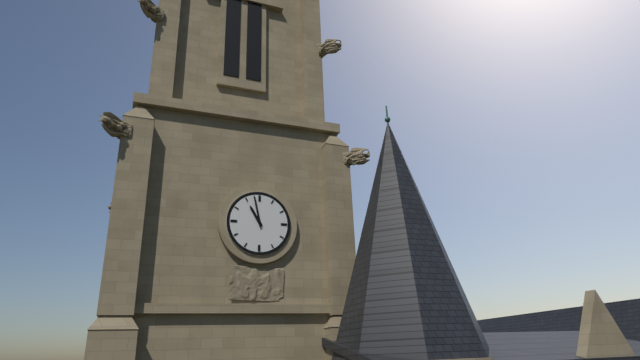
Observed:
10.58
